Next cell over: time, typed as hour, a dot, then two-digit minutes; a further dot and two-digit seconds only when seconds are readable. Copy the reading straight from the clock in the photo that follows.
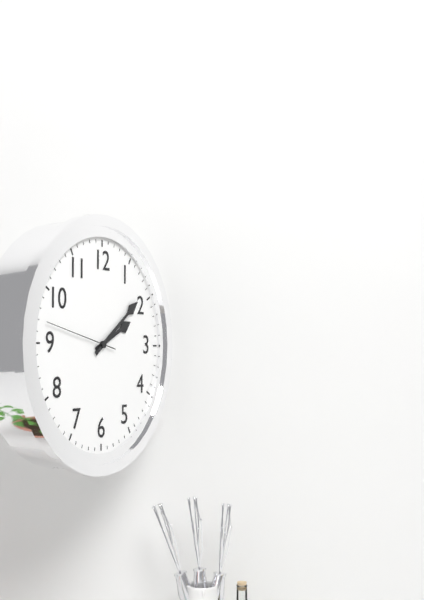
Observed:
2.09.47
